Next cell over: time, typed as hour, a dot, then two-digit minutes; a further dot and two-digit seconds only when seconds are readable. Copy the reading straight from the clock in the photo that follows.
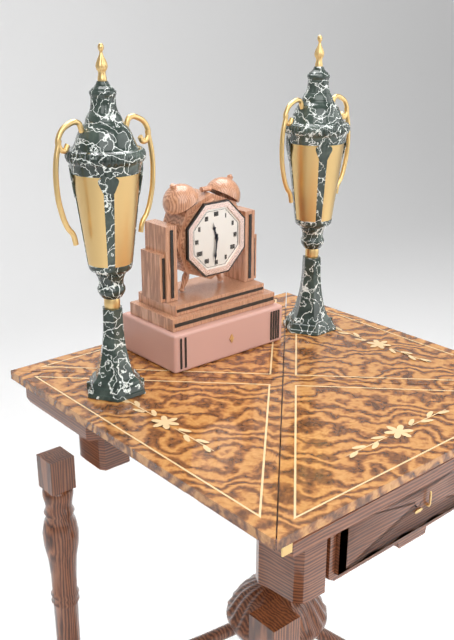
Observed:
11.31
